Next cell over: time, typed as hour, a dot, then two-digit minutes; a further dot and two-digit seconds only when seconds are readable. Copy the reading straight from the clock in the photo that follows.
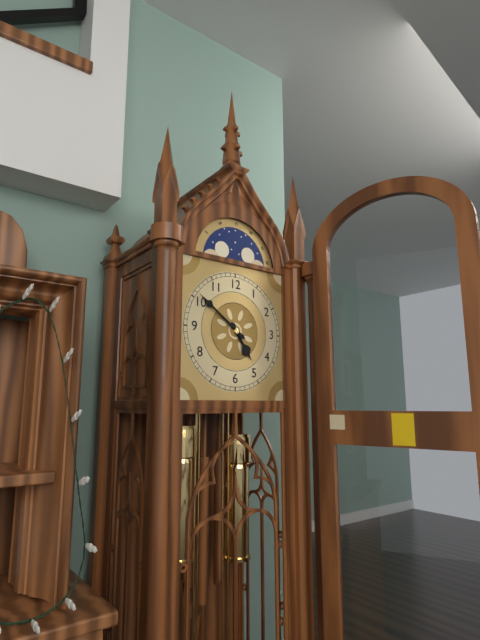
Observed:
4.51
